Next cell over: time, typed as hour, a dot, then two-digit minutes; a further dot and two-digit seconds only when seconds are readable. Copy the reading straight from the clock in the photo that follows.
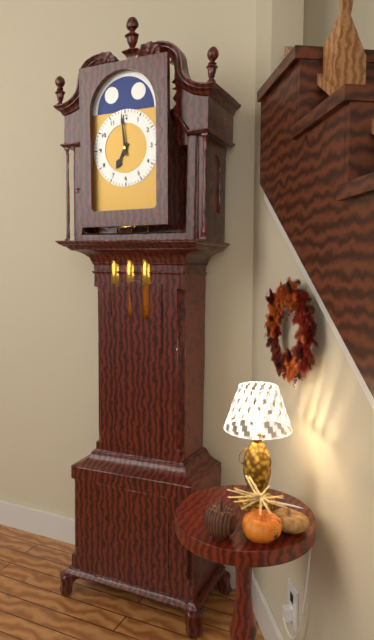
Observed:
6.59
